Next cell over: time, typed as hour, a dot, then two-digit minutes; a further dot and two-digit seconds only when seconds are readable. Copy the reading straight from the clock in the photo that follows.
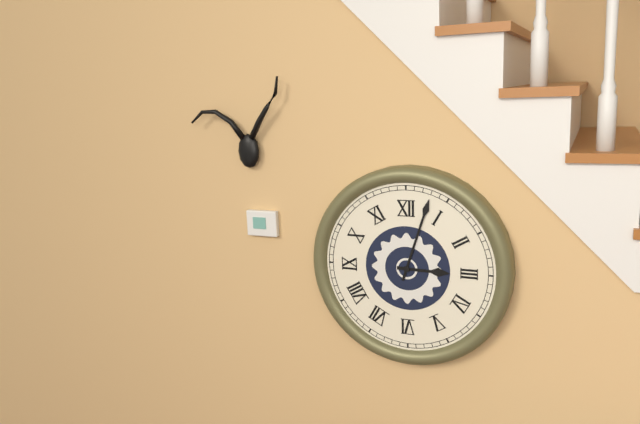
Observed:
3.03
